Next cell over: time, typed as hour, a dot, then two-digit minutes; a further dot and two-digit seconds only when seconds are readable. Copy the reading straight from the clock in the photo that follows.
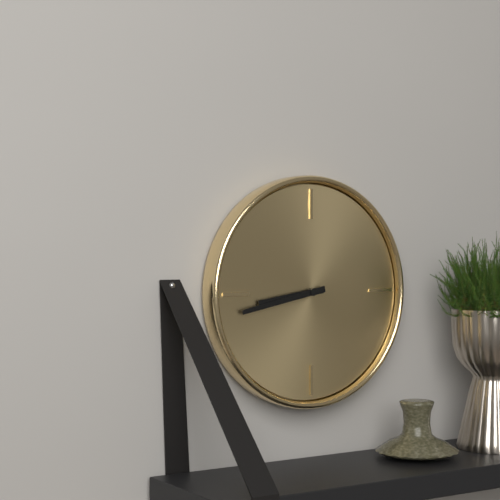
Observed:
8.43
